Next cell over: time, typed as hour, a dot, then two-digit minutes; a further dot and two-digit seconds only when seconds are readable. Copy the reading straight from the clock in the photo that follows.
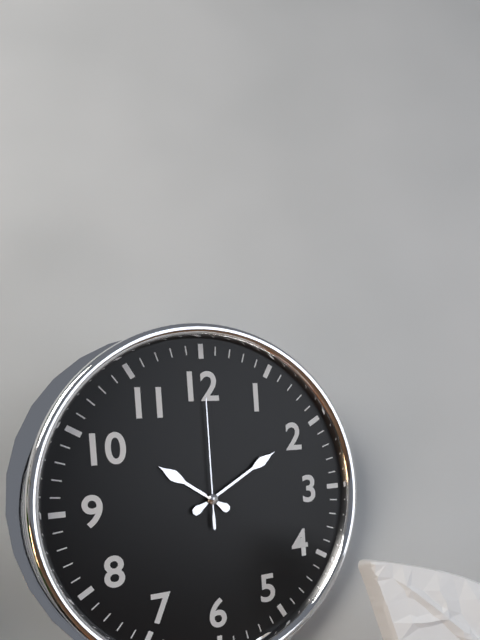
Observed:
10.10.00
